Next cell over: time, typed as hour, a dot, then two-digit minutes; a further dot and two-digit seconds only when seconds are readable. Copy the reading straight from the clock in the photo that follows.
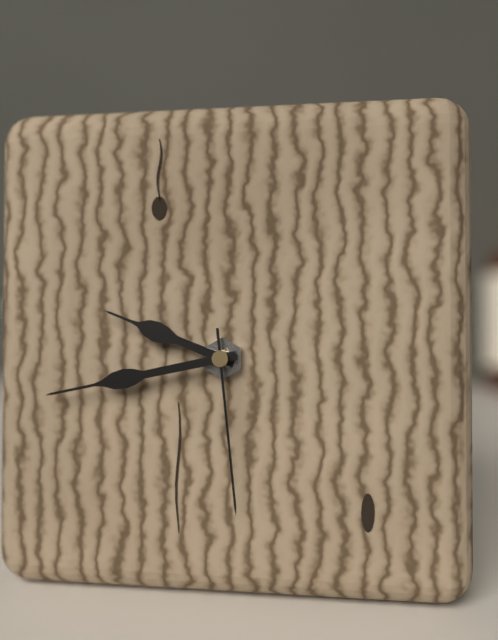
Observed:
9.43.29
